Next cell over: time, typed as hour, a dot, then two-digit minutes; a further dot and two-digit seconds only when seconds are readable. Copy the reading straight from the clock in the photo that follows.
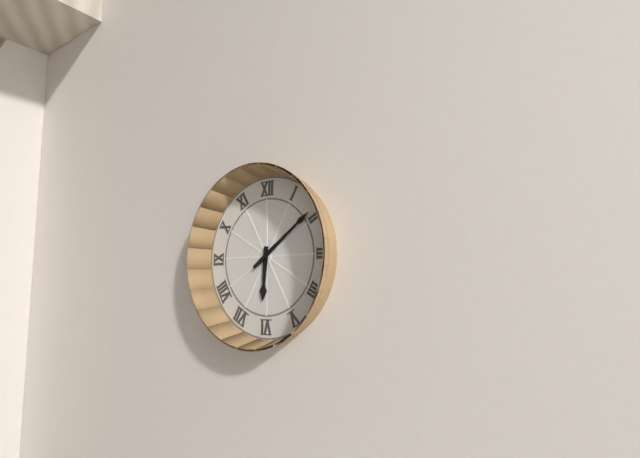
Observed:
6.09
